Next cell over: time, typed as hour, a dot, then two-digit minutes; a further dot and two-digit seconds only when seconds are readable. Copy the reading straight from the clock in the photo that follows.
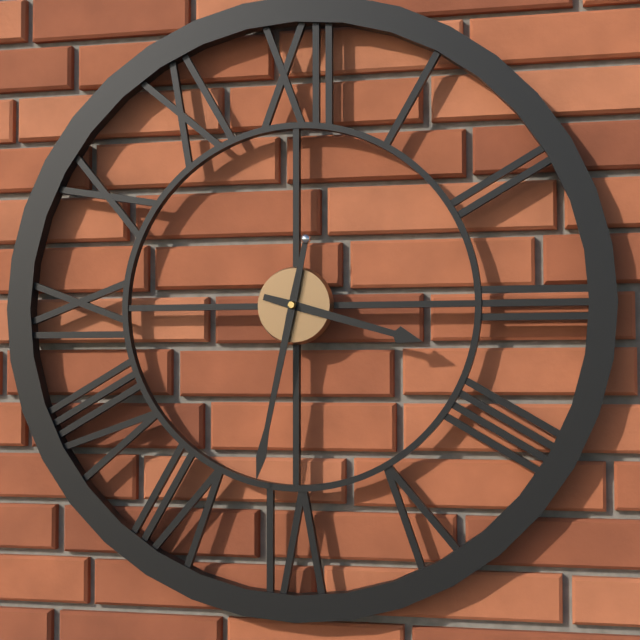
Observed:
3.32
